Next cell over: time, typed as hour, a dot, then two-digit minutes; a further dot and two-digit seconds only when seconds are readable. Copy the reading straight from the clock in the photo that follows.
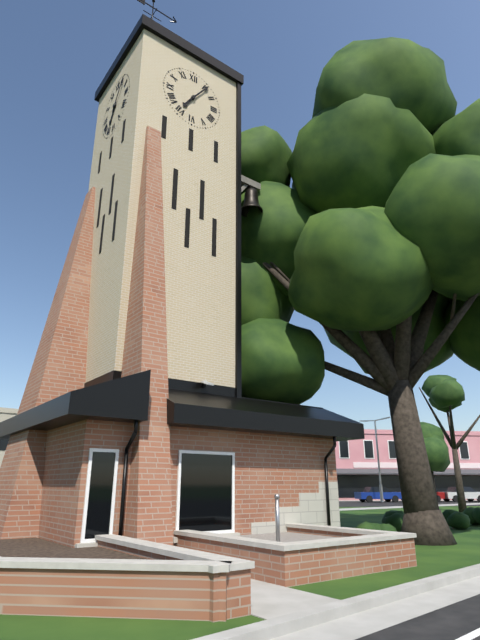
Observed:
7.06
